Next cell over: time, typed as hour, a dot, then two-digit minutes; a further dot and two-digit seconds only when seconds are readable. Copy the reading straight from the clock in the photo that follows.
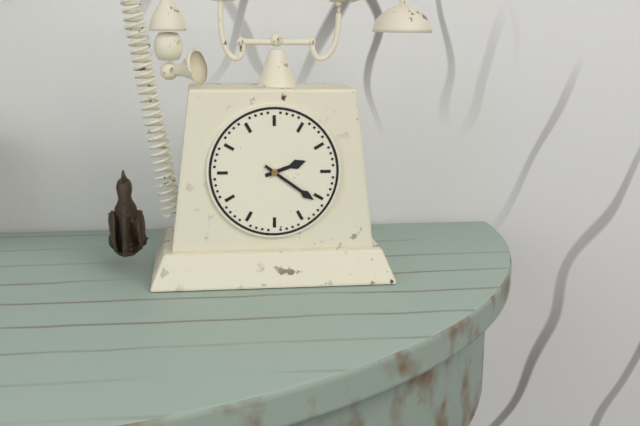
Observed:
2.21
